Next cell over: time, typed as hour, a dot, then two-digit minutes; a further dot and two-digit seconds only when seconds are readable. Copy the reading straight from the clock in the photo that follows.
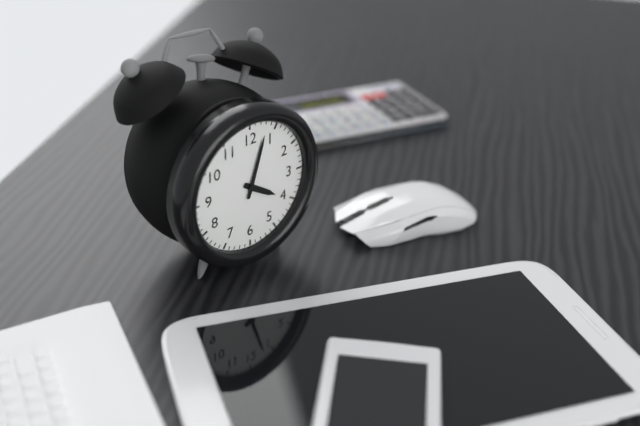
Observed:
4.03
